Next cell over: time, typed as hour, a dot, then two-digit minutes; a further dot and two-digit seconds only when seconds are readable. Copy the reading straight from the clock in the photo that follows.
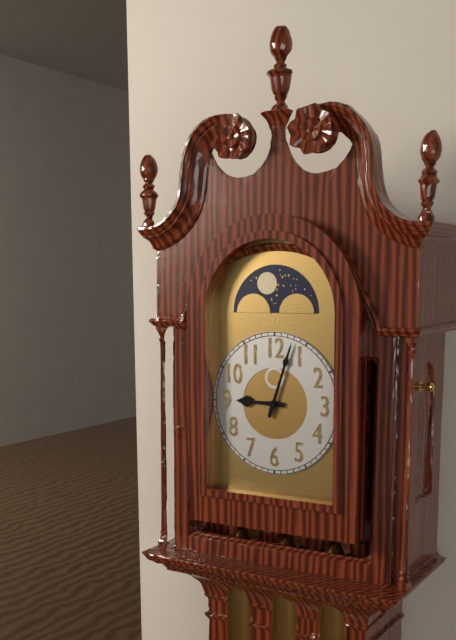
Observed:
9.03
